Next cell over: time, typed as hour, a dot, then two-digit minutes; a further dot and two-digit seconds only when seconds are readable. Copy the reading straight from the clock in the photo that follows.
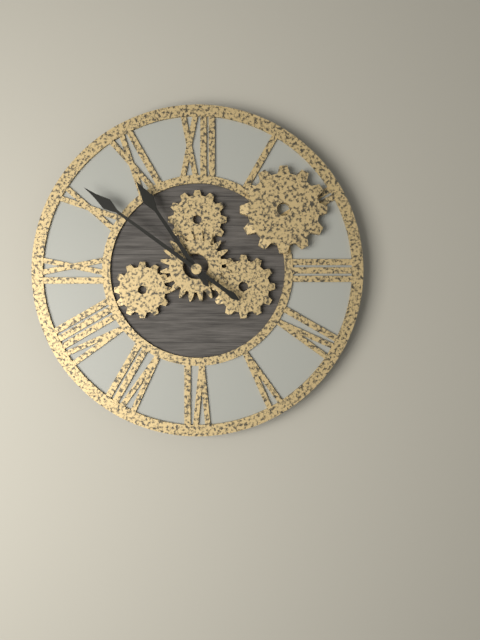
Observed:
10.51
